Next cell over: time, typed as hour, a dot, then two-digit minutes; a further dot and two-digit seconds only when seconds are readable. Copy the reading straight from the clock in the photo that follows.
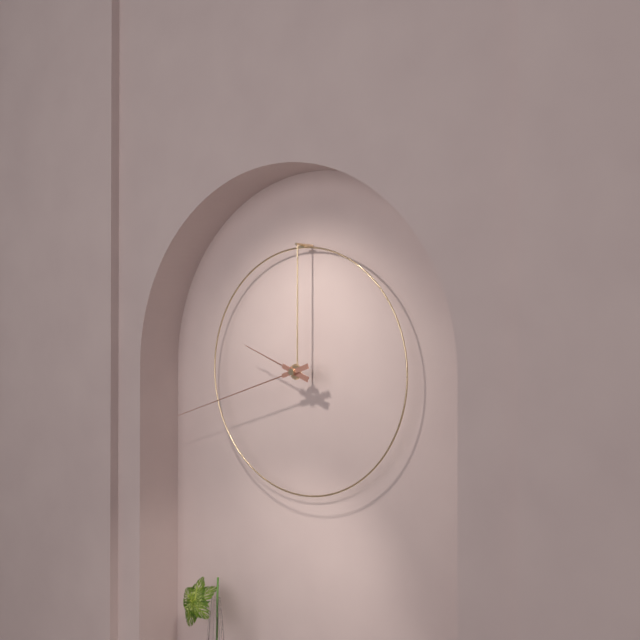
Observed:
9.42
